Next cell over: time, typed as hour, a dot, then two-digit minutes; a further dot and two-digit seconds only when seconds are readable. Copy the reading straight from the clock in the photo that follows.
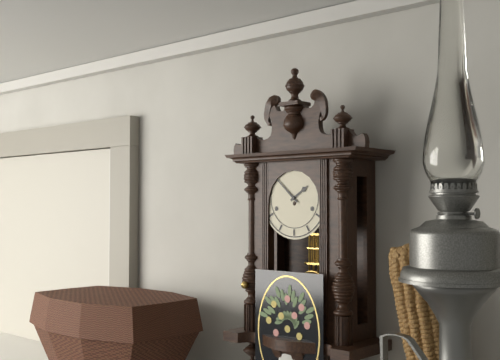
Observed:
1.52
